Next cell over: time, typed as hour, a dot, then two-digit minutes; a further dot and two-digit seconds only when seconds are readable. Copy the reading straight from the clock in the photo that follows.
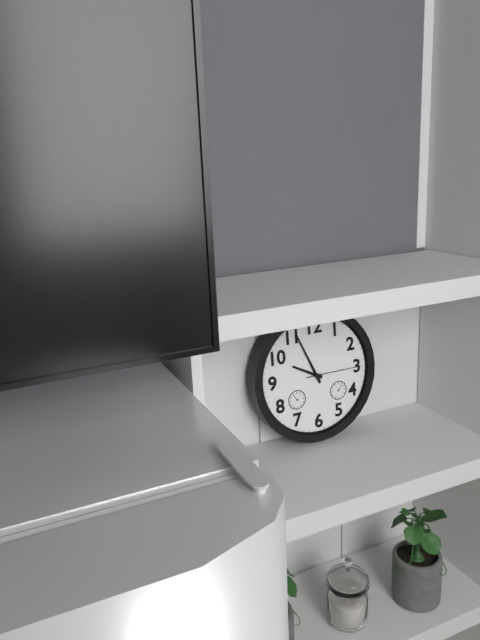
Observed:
9.56.15
